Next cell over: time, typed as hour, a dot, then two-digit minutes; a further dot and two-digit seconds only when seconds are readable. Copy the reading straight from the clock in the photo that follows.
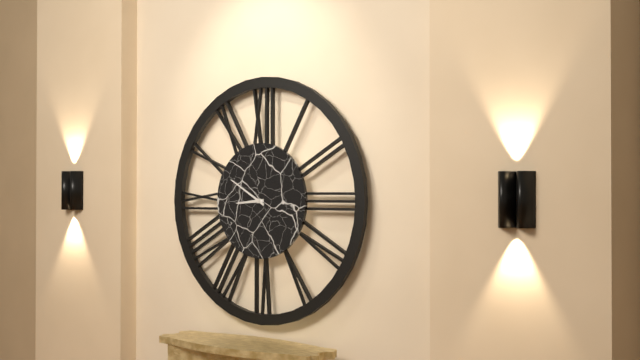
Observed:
8.50
